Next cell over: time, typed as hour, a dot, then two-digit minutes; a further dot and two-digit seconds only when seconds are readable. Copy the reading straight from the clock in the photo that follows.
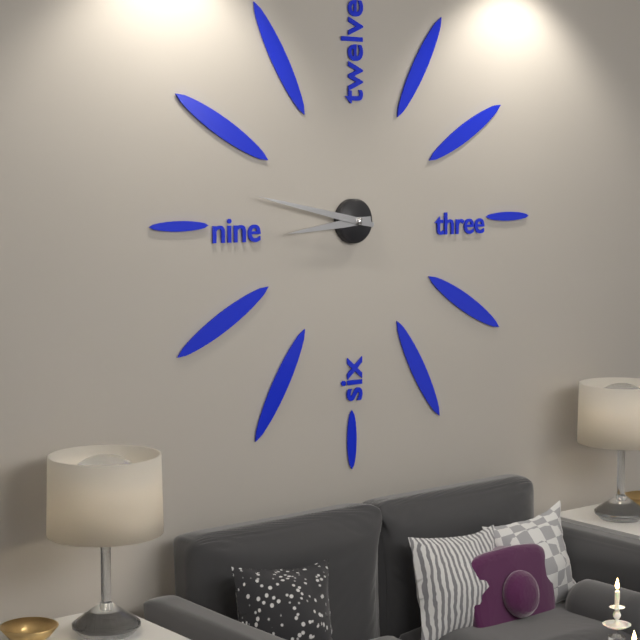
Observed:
8.47
